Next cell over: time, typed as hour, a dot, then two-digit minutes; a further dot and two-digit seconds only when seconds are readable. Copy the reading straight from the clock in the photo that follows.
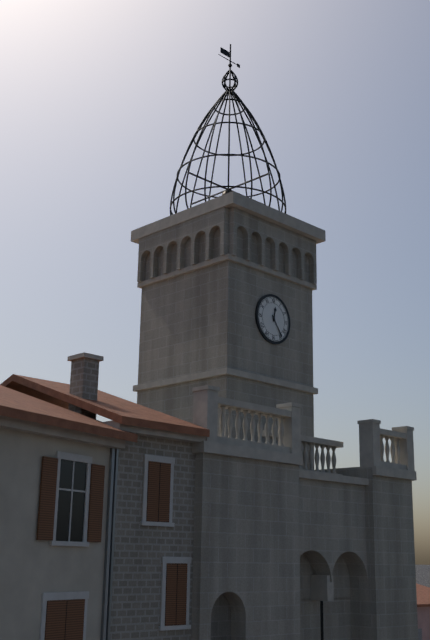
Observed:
12.24
